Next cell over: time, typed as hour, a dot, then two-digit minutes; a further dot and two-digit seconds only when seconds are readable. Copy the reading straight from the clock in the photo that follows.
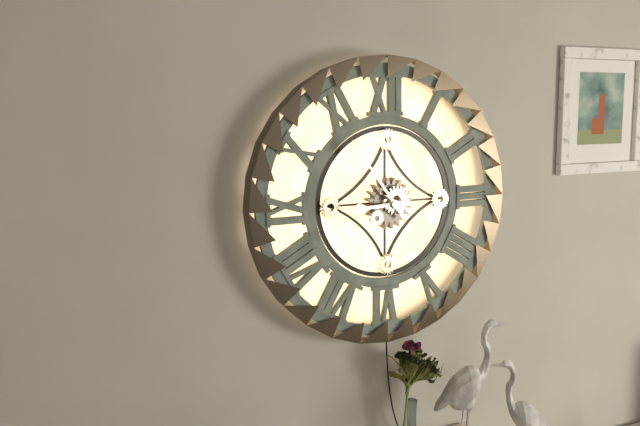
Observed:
8.54
